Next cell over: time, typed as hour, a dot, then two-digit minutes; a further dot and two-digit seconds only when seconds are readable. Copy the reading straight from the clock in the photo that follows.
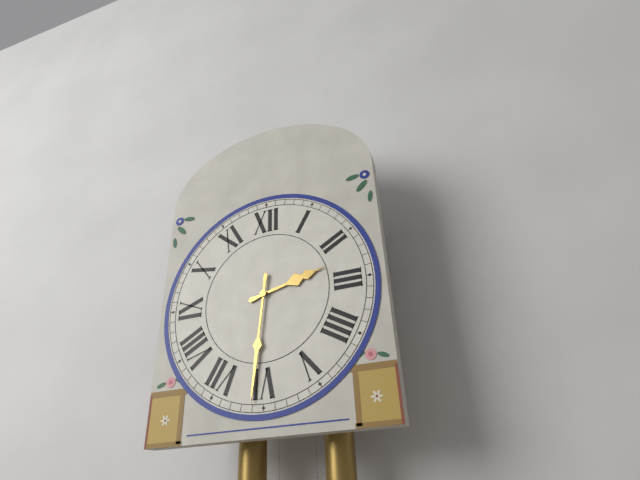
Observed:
2.31
